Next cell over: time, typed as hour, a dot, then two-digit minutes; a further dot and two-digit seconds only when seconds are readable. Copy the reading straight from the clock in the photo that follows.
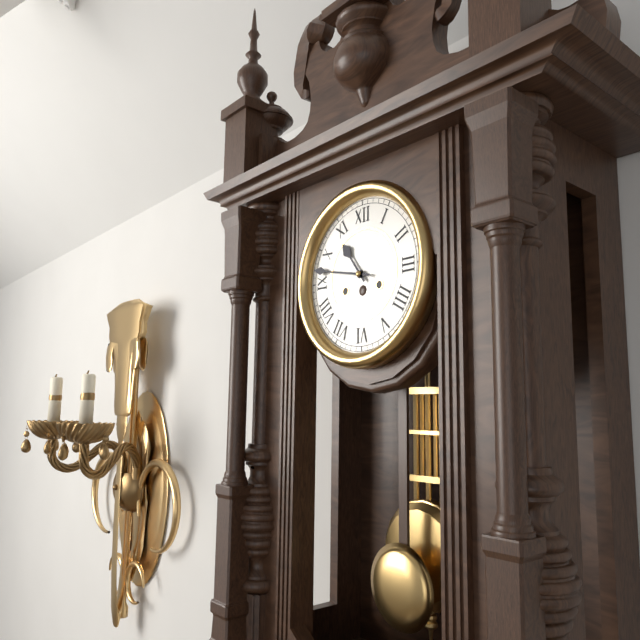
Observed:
10.47
